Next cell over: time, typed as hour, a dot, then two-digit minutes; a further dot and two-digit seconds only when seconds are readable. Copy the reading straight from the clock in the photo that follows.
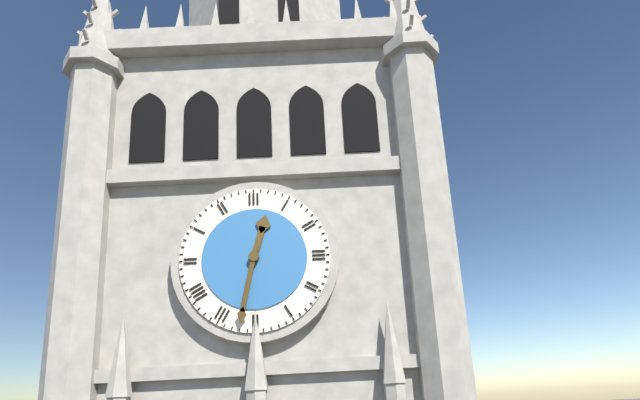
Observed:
12.32
